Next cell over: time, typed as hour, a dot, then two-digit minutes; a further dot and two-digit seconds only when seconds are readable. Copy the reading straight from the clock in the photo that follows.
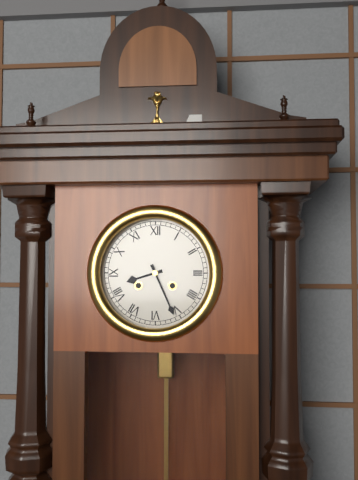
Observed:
8.26
